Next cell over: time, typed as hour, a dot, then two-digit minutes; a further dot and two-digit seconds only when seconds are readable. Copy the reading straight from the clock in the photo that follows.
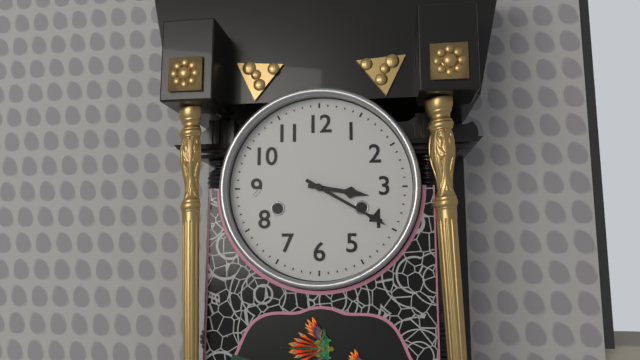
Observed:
3.20
